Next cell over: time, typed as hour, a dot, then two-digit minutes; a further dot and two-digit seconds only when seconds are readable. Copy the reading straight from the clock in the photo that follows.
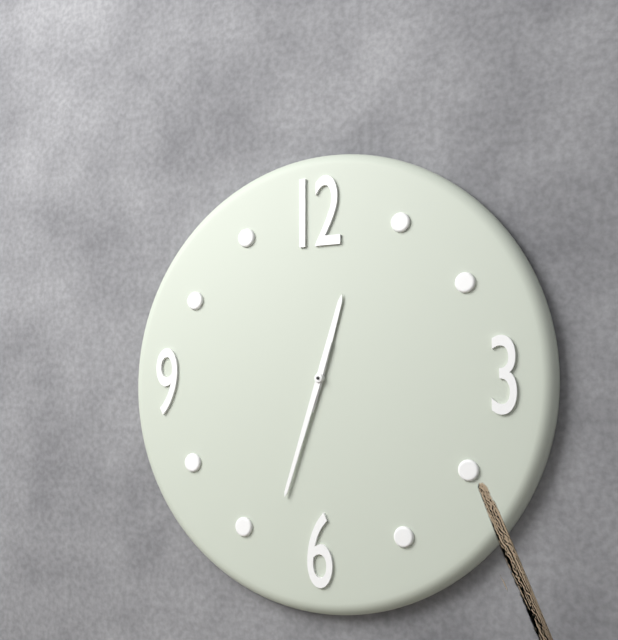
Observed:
12.33
